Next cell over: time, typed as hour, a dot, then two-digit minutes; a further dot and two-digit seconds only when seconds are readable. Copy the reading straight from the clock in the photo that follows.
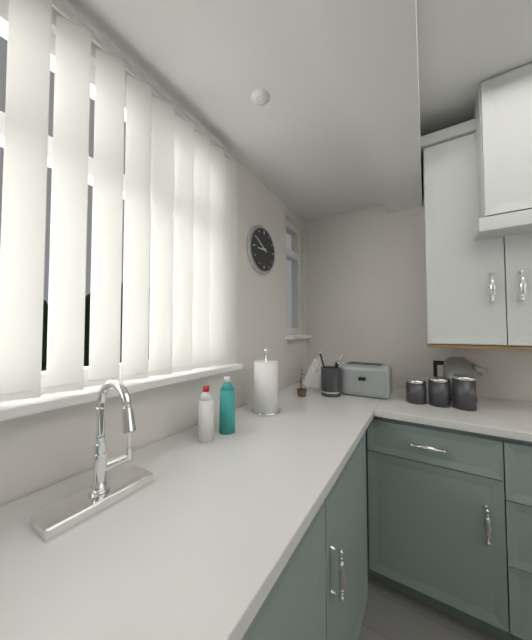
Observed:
8.50
